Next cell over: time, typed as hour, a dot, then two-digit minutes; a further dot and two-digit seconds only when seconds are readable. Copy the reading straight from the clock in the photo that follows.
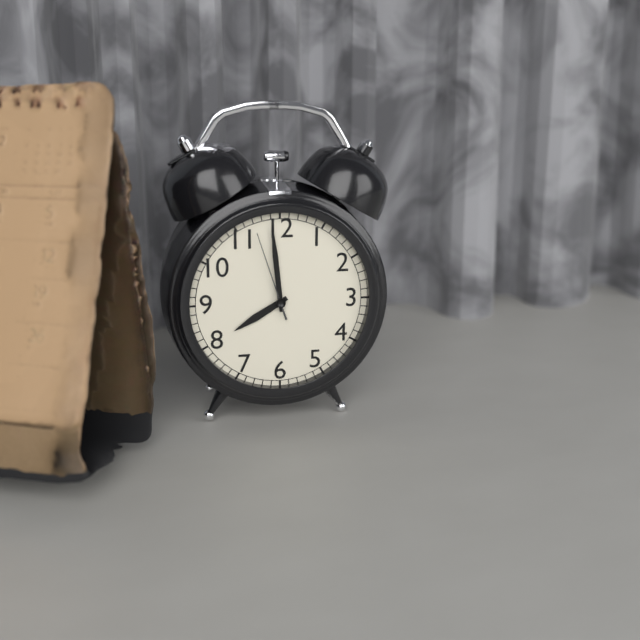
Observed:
7.59.57
